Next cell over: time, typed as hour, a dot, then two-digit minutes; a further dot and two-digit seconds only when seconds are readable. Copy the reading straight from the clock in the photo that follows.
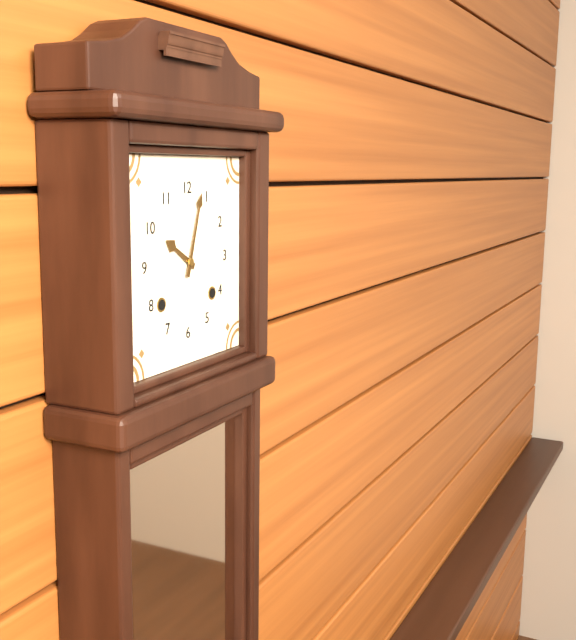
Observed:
10.03
